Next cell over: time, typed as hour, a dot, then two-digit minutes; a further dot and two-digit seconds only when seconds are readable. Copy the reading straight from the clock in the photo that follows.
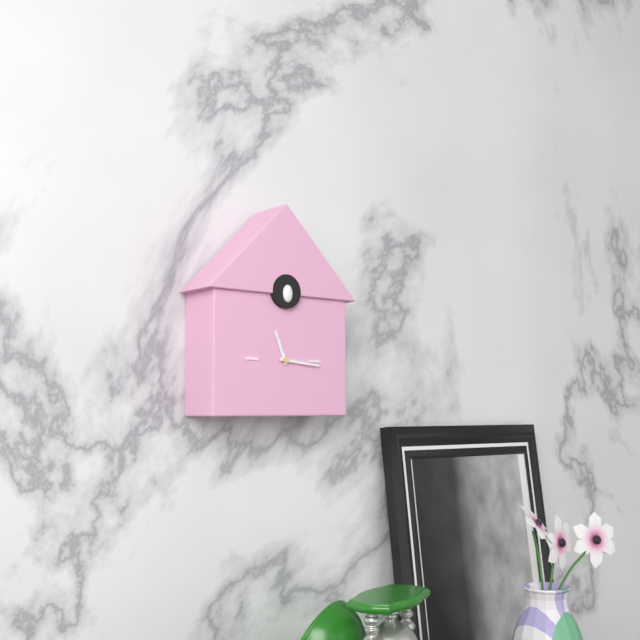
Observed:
11.16
